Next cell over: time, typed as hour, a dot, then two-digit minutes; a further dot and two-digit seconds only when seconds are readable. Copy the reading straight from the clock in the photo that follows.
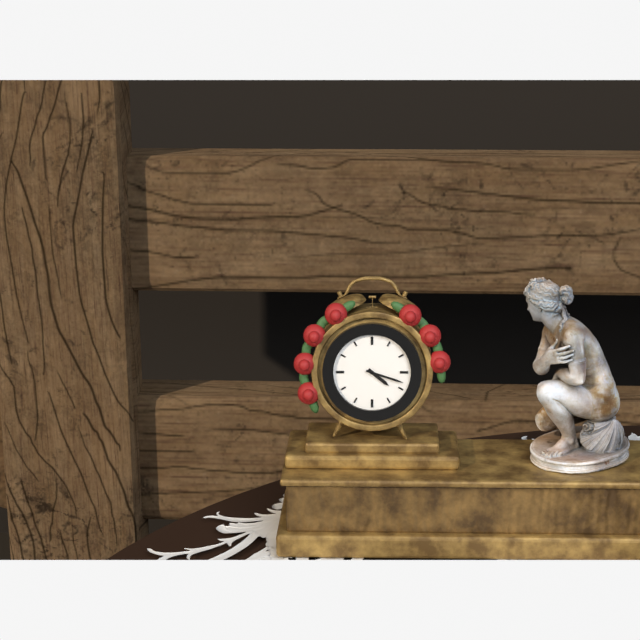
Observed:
4.18
